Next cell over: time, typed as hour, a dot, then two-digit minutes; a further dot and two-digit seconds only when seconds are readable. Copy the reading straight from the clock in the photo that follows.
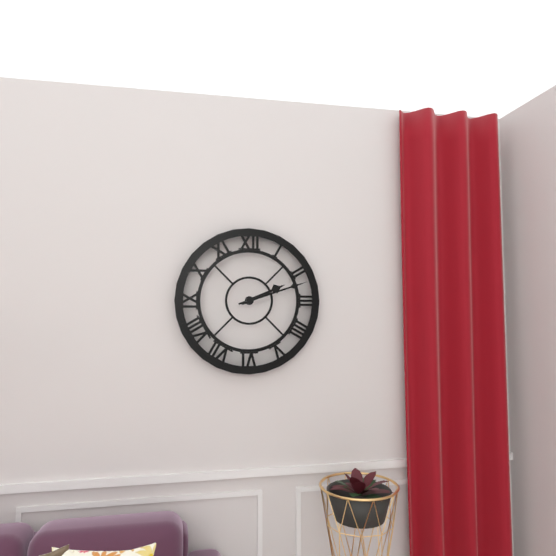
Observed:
2.12
